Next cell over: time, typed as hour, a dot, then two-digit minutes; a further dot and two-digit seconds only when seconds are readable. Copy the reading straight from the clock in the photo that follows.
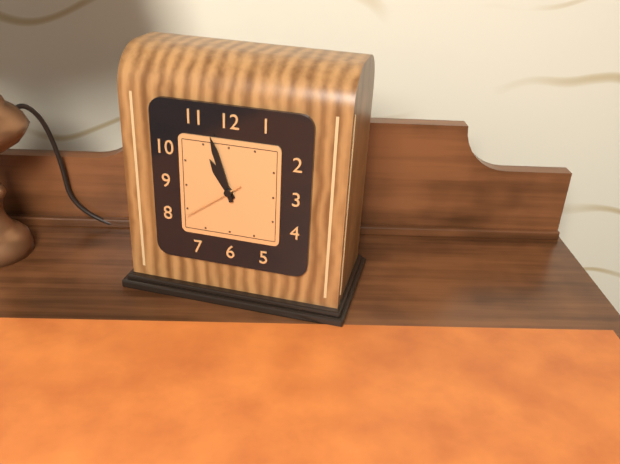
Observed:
10.57.39
